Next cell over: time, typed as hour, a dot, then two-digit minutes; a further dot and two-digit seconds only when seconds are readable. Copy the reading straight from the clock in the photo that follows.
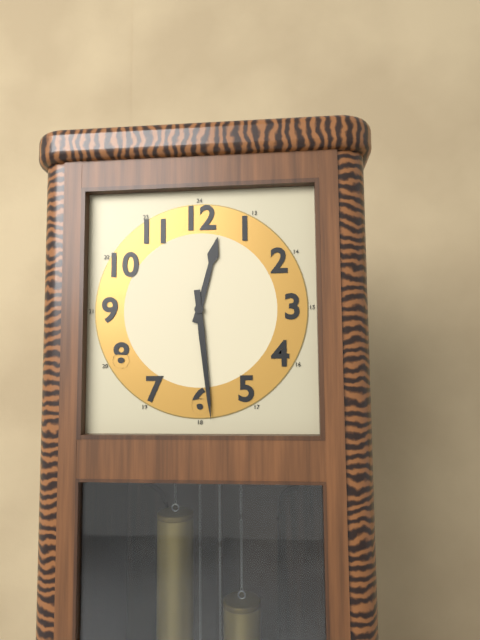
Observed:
12.29
